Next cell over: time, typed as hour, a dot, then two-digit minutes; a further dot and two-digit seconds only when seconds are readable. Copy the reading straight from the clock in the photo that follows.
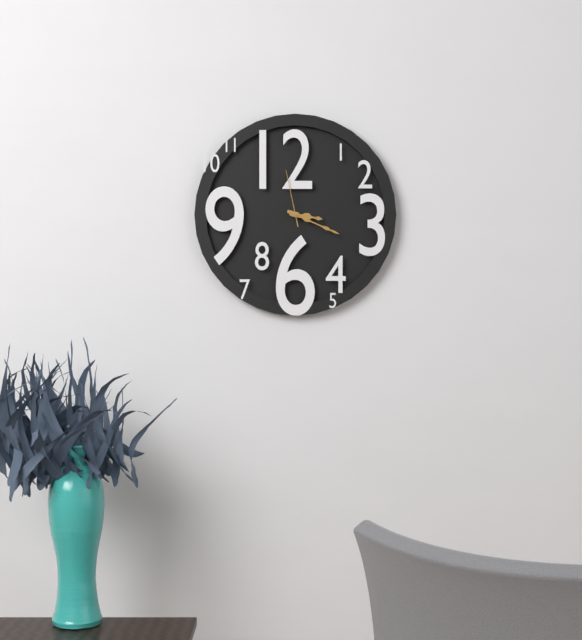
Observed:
3.19.58
